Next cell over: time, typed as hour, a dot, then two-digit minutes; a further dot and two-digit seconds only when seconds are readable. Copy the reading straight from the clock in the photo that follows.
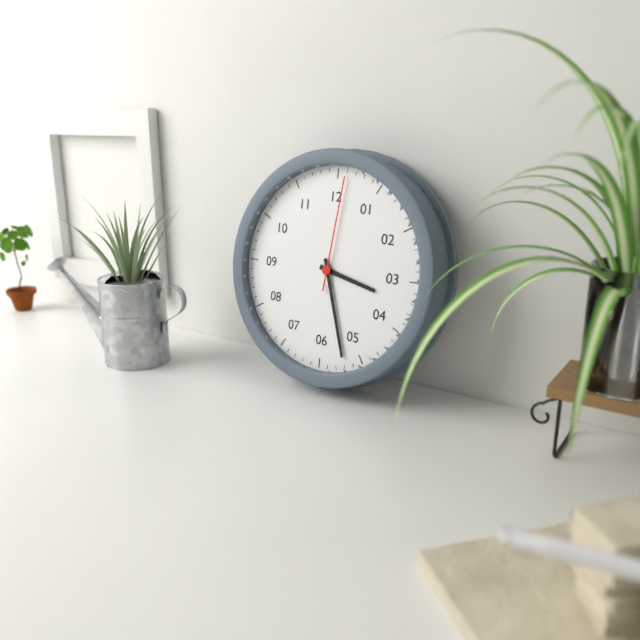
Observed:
3.27.01
